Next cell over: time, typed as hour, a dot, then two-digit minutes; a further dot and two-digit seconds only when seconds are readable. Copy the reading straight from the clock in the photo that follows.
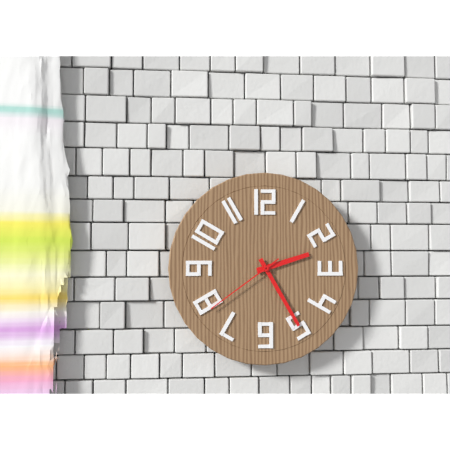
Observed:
2.25.39
